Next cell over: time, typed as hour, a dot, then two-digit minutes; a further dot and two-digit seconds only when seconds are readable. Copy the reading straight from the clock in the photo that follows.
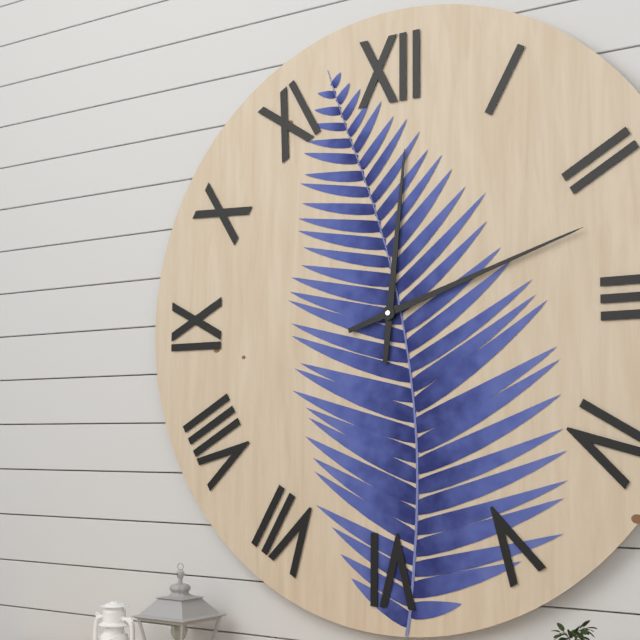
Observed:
12.12
